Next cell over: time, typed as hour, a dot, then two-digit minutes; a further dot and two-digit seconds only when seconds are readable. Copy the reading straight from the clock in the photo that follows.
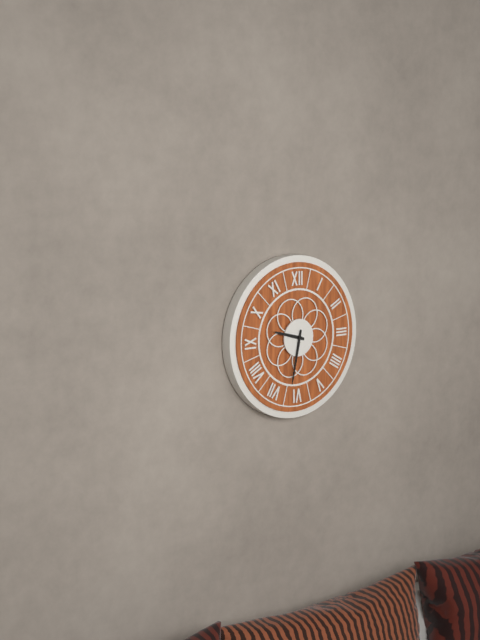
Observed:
9.32
